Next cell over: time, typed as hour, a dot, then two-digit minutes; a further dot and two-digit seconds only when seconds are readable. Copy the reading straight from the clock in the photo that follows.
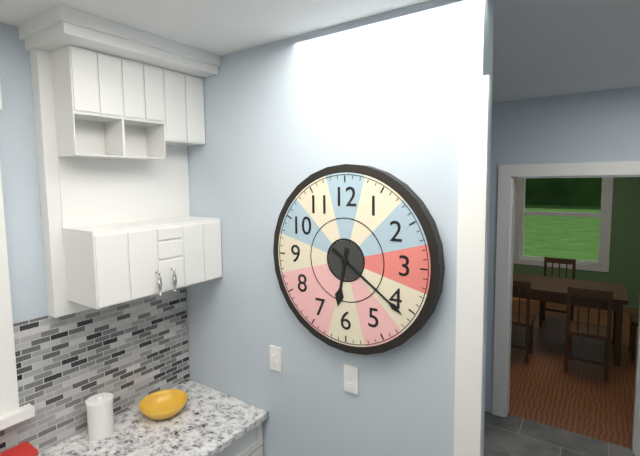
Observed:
6.21
